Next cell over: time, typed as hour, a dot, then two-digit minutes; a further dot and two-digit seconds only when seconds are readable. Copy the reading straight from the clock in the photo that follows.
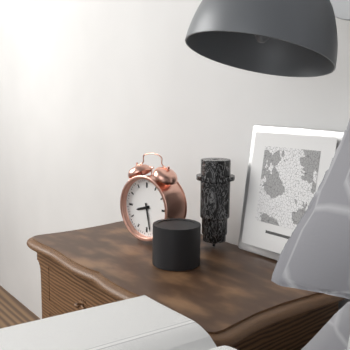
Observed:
8.28
